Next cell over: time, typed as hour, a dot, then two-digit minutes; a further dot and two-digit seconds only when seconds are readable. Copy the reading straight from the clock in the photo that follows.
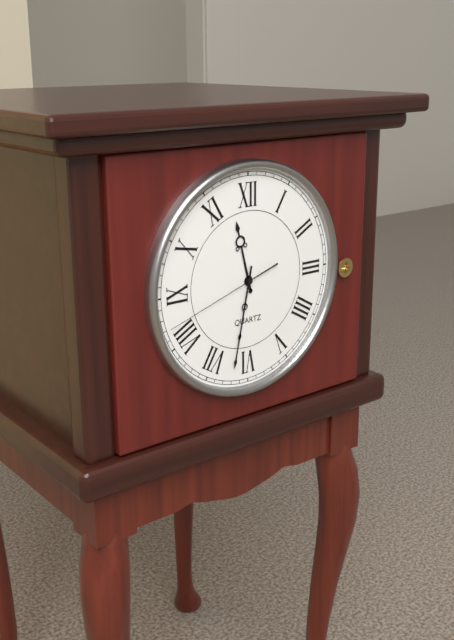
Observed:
11.32.42
